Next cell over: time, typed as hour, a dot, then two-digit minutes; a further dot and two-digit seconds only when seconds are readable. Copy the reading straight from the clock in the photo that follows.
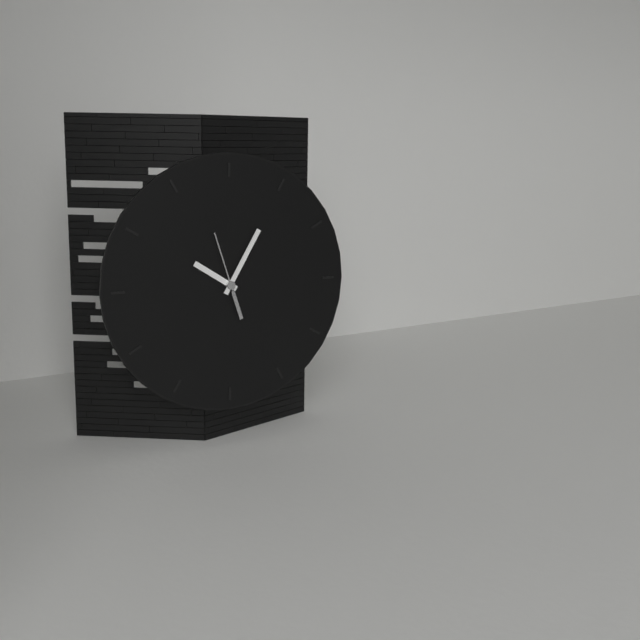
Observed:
10.05.57
